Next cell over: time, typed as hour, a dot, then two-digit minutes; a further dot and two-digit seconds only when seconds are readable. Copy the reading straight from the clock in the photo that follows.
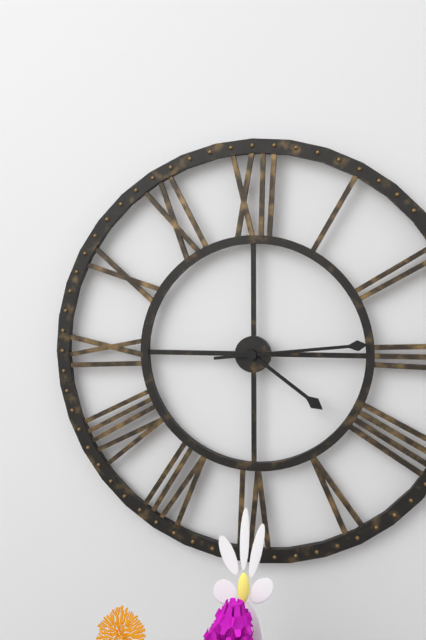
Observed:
4.14
